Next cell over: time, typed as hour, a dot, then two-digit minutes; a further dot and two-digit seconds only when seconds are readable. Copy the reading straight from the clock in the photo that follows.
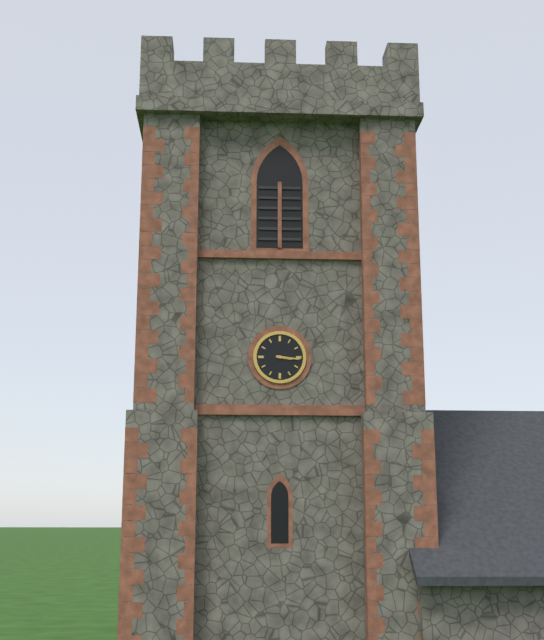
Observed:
3.16
